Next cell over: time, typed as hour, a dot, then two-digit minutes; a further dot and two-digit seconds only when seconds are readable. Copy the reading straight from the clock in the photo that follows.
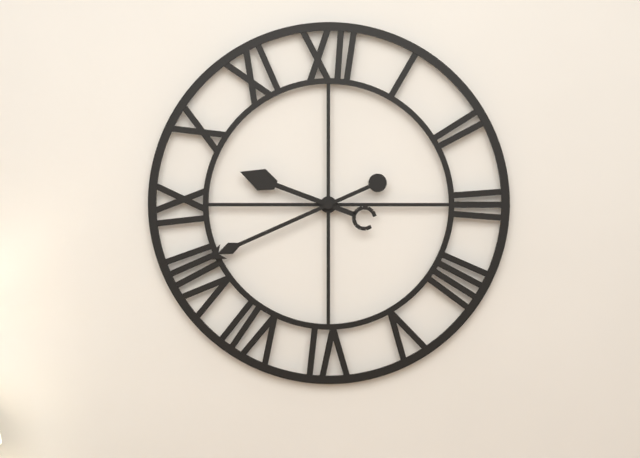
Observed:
9.41
